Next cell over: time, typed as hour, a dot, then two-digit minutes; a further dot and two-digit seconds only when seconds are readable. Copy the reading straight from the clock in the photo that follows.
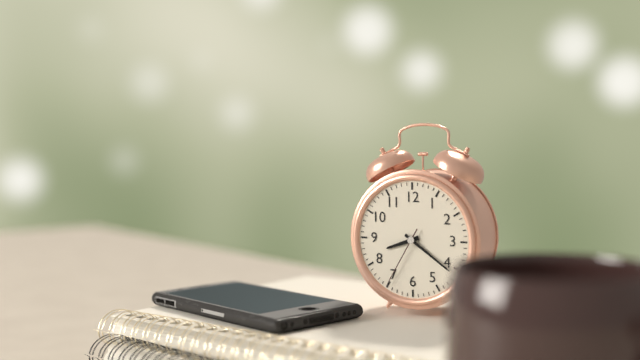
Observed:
8.21.35
